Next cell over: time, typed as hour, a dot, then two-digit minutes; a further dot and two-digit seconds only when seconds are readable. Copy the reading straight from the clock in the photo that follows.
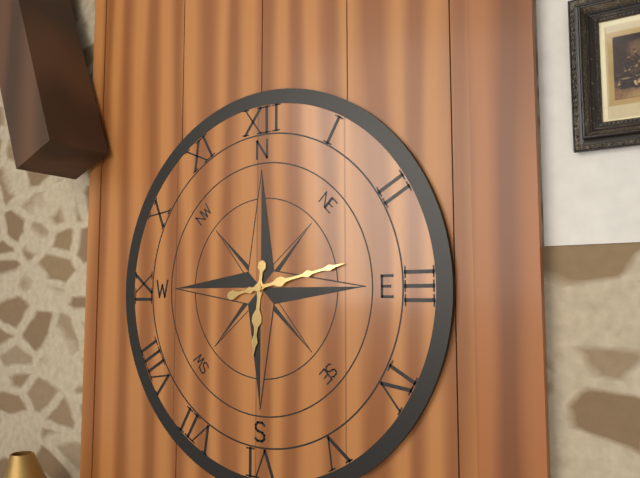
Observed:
6.13
